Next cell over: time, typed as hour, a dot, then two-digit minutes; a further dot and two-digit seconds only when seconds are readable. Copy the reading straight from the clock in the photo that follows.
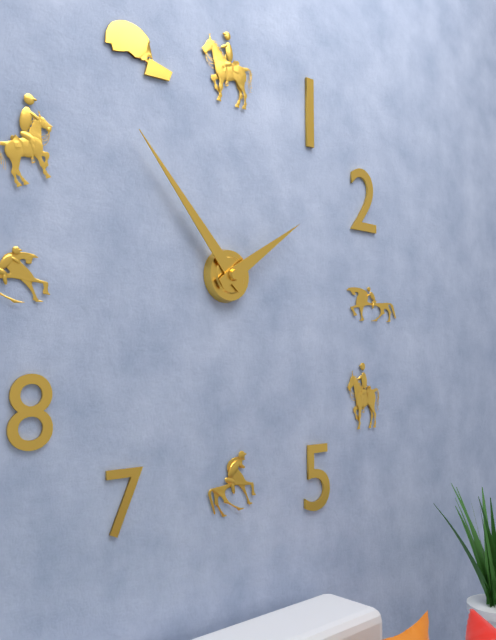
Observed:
1.53
